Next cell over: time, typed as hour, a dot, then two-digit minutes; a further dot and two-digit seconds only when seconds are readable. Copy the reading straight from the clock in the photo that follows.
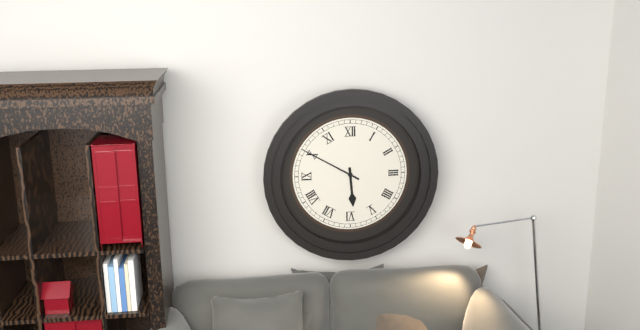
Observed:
5.50
